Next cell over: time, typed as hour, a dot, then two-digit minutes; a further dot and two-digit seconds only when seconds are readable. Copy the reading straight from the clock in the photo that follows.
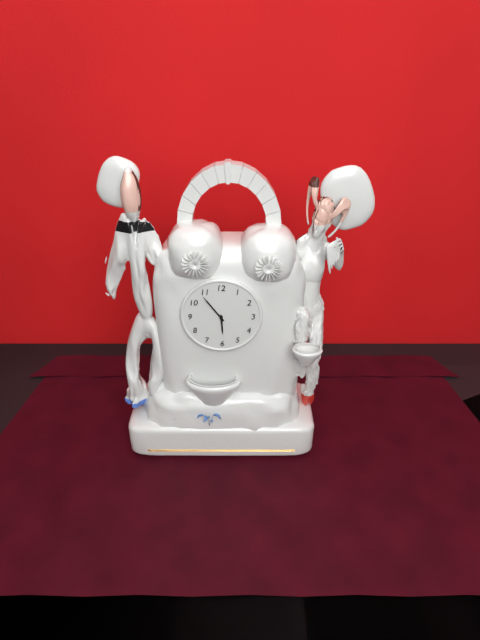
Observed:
5.54
